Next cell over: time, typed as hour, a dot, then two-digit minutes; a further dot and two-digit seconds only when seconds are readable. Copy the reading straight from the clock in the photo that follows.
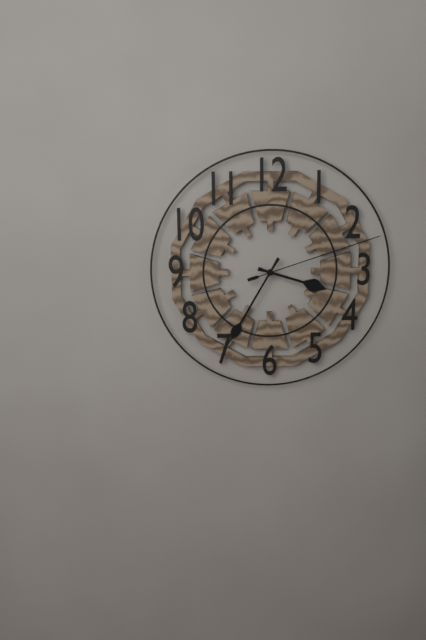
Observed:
3.35.12
